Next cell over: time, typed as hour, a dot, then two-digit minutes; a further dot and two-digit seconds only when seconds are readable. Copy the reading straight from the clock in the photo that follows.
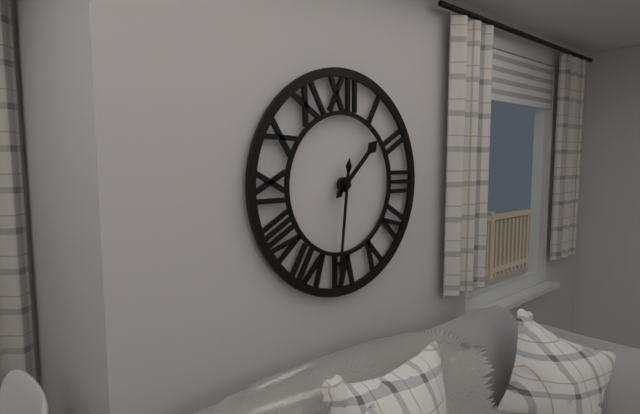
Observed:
1.31
